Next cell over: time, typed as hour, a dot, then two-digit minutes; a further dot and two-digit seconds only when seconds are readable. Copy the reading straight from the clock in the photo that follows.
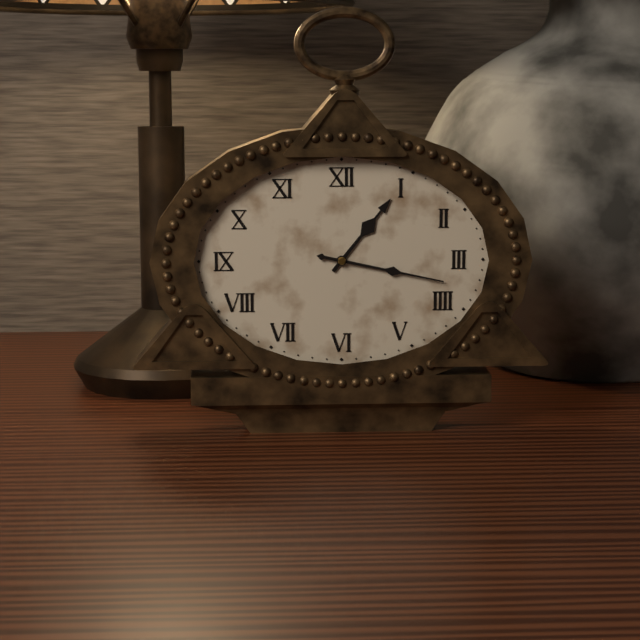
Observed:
1.17
